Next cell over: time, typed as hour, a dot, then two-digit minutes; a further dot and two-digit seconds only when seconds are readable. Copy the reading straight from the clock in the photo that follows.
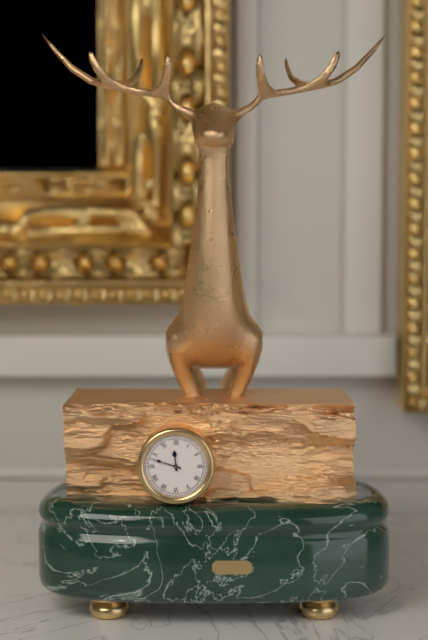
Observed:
11.48
